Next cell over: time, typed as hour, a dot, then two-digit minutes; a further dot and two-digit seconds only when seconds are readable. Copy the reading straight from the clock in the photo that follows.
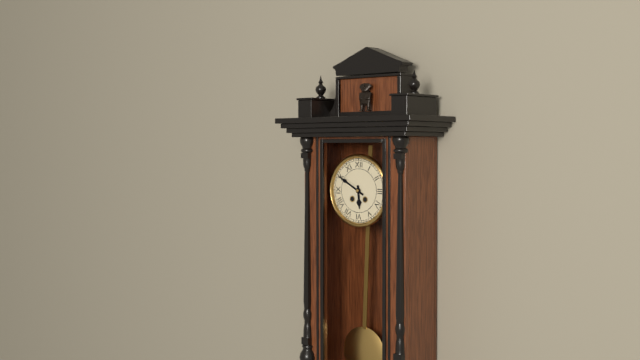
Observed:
5.50
